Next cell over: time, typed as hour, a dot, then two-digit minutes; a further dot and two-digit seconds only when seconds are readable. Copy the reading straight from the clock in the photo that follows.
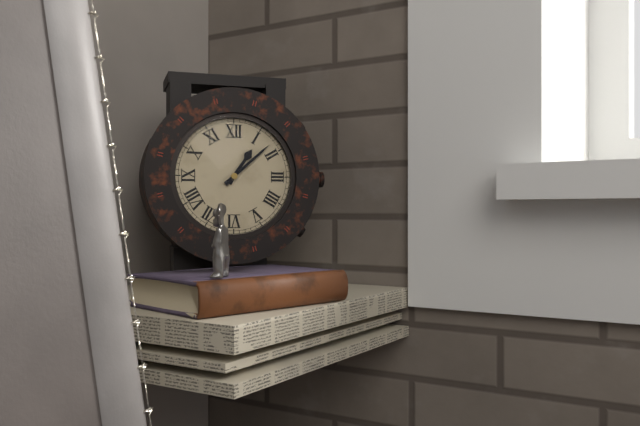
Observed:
1.08
